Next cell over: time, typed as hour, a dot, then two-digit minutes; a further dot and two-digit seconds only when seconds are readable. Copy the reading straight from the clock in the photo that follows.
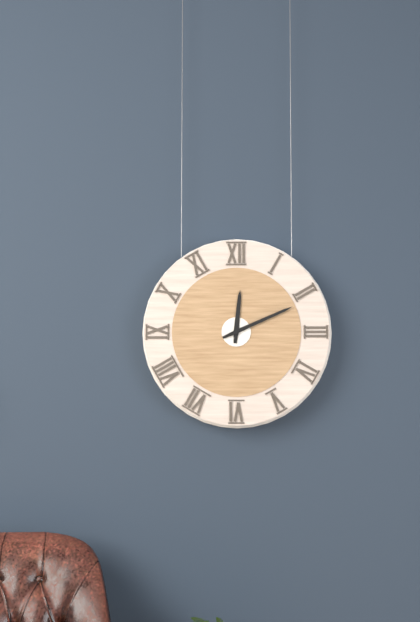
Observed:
12.11
